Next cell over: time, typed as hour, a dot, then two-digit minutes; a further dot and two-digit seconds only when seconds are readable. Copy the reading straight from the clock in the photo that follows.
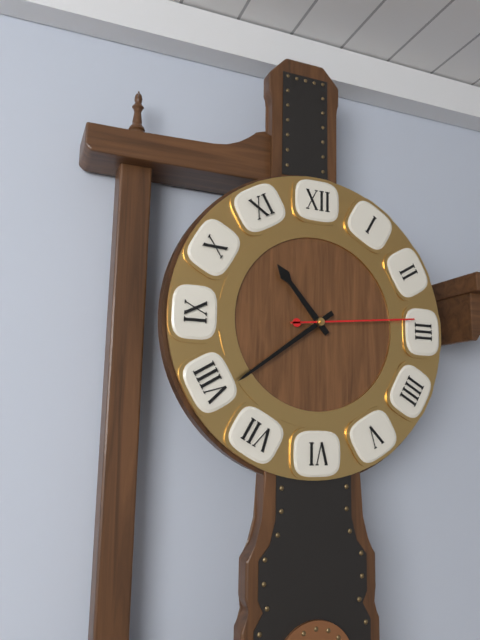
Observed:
10.39.14
